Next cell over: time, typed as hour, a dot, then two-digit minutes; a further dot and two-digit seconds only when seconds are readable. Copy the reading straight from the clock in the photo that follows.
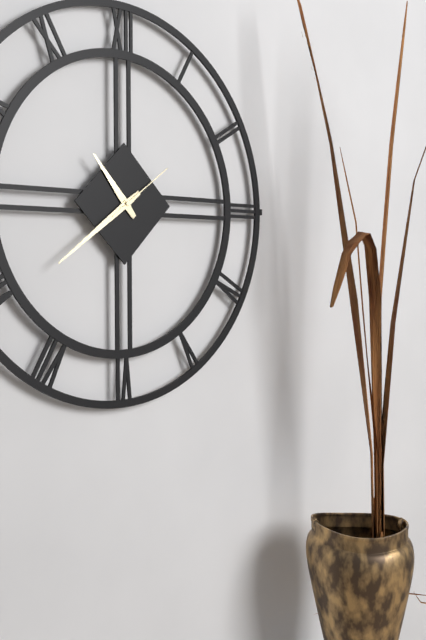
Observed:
10.39.09
